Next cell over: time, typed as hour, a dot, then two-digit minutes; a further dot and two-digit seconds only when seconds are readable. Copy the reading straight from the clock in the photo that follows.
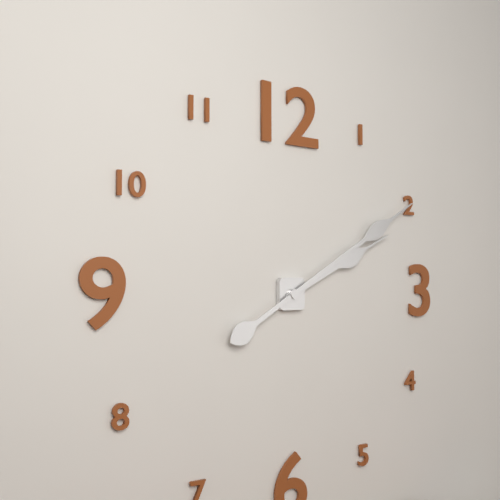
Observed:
2.10
